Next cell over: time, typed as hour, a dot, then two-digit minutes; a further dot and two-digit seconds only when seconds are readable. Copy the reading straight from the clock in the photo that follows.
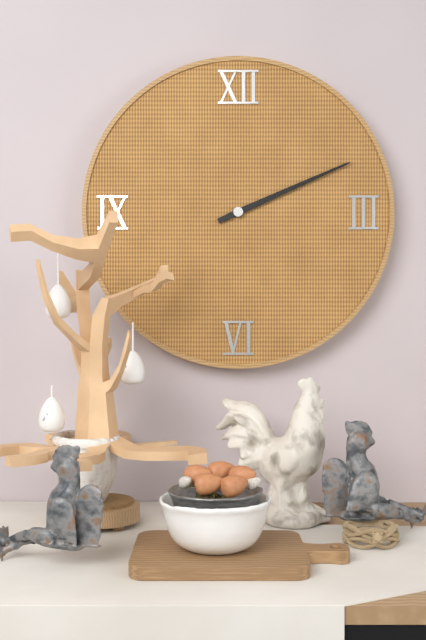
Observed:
2.11
